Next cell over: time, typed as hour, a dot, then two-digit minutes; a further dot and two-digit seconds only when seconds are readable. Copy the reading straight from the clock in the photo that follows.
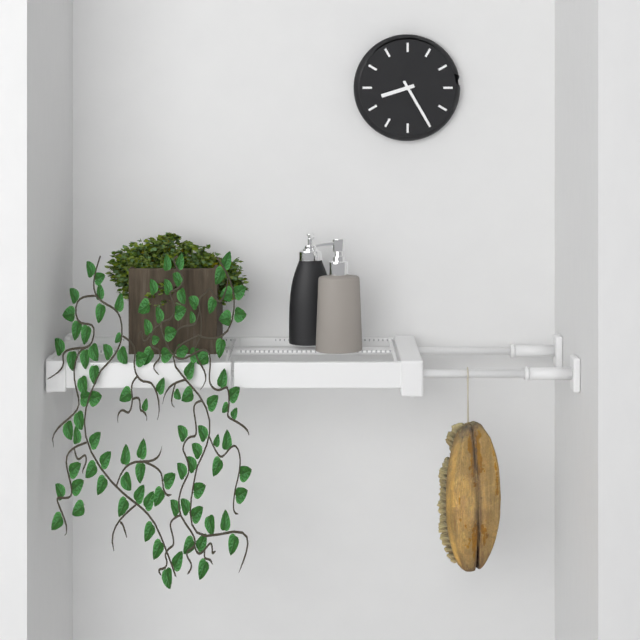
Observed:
8.25
